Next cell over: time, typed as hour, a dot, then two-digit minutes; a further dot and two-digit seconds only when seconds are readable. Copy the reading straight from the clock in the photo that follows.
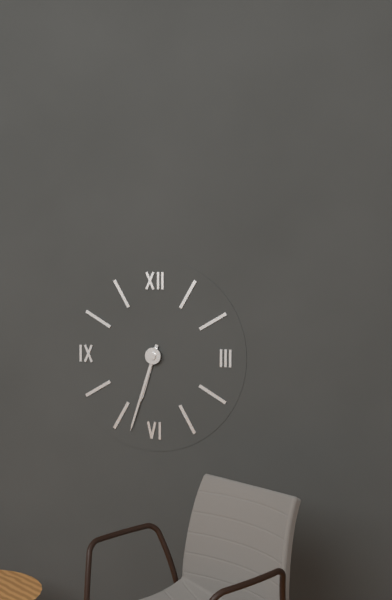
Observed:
6.33
